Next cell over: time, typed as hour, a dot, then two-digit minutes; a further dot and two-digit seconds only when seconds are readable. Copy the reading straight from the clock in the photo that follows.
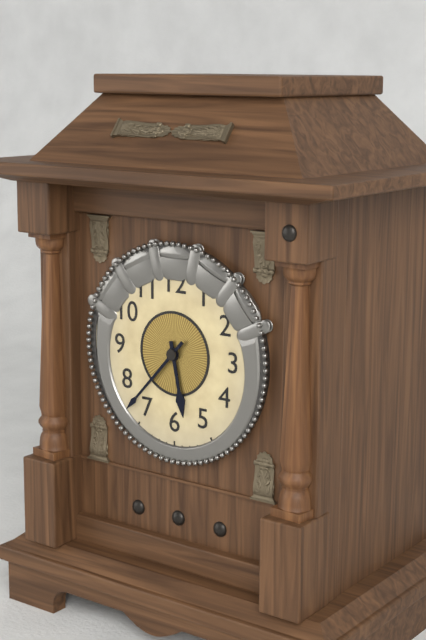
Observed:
5.37
